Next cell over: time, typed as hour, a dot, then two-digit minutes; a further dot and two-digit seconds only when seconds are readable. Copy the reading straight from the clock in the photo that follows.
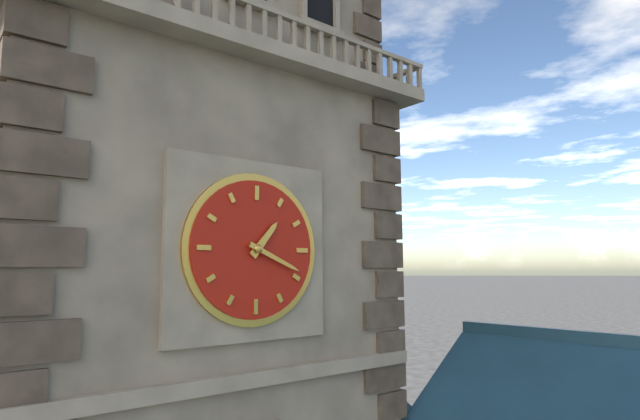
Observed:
1.19
